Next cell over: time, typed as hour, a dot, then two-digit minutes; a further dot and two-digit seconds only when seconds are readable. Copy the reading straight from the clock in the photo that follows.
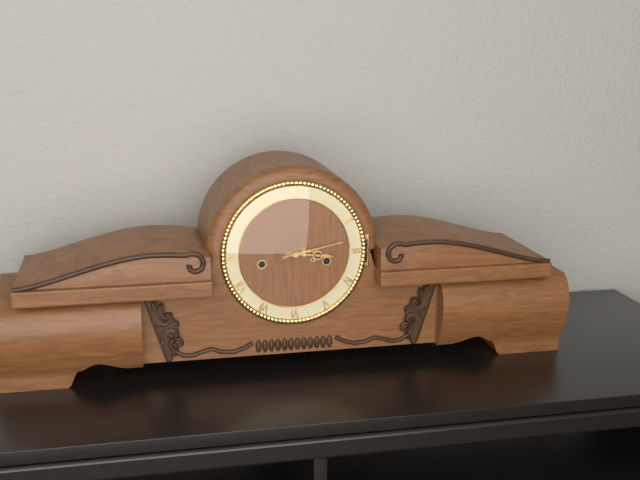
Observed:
3.13
